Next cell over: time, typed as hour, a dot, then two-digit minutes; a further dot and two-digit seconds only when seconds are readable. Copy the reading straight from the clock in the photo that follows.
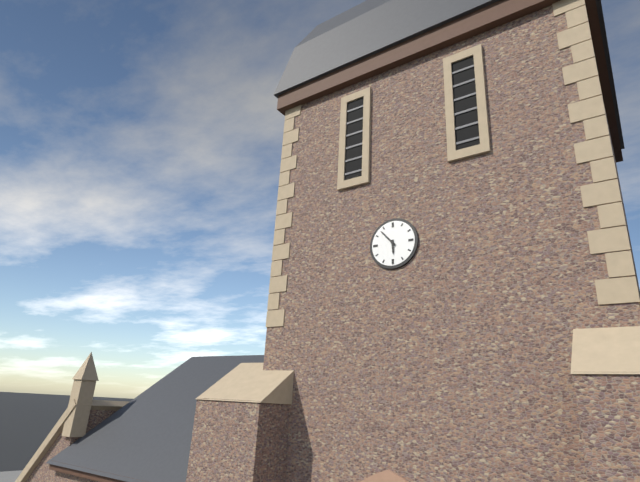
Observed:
5.53
